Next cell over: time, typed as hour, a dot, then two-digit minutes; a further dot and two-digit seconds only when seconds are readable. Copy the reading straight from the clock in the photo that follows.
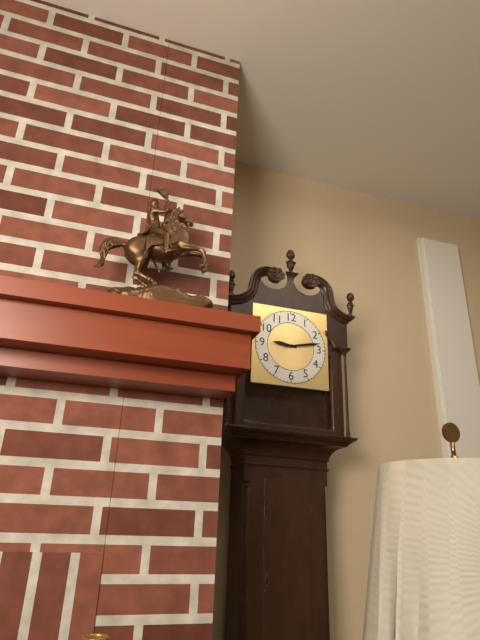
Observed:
9.13
